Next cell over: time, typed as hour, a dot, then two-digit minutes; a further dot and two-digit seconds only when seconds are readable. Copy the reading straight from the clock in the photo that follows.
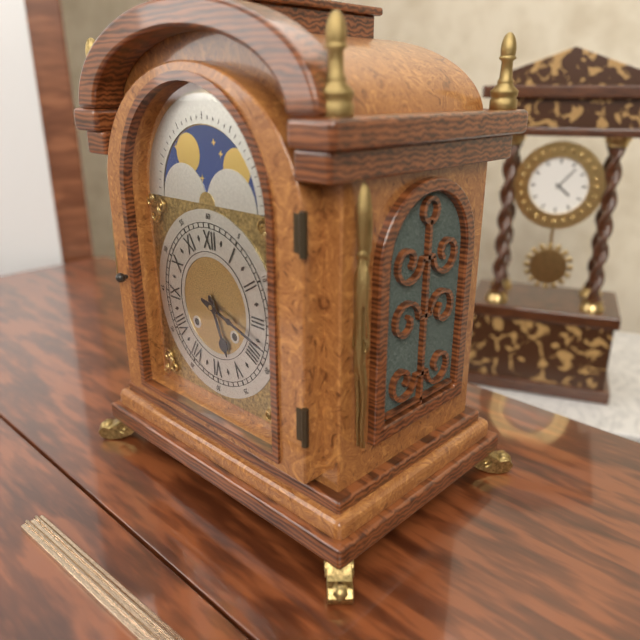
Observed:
5.18
